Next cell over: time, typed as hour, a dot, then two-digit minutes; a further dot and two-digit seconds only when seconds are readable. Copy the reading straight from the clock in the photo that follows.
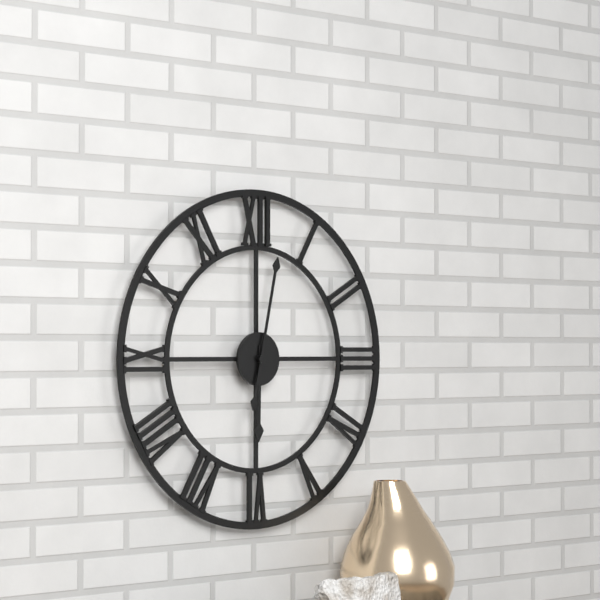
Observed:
6.02
